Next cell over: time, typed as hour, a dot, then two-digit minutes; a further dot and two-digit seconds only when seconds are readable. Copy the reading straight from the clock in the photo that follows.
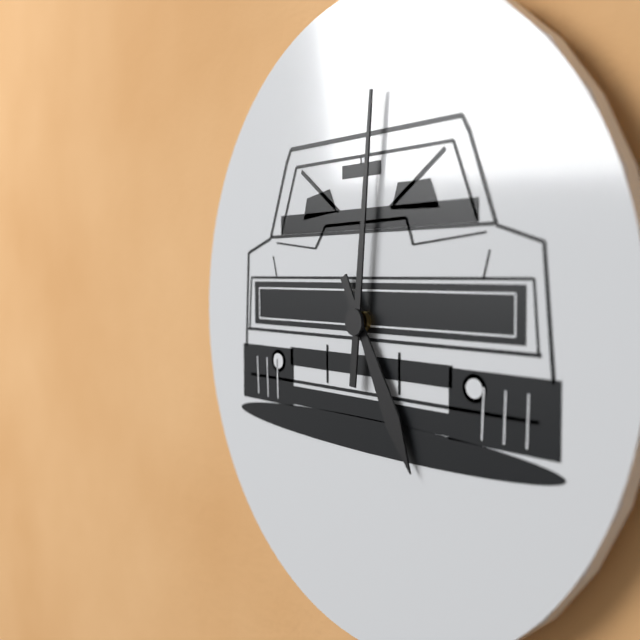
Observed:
5.01
